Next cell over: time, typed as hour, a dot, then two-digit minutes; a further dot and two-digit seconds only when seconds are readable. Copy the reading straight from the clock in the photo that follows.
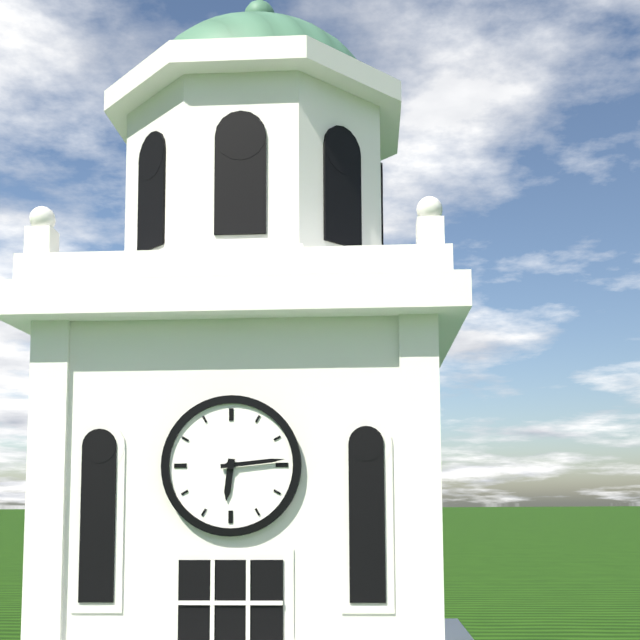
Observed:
6.14
